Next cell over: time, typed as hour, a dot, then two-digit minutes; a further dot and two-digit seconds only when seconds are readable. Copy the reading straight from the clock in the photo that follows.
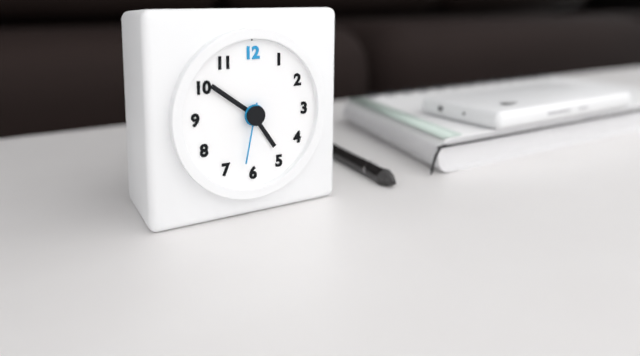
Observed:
4.51.32
